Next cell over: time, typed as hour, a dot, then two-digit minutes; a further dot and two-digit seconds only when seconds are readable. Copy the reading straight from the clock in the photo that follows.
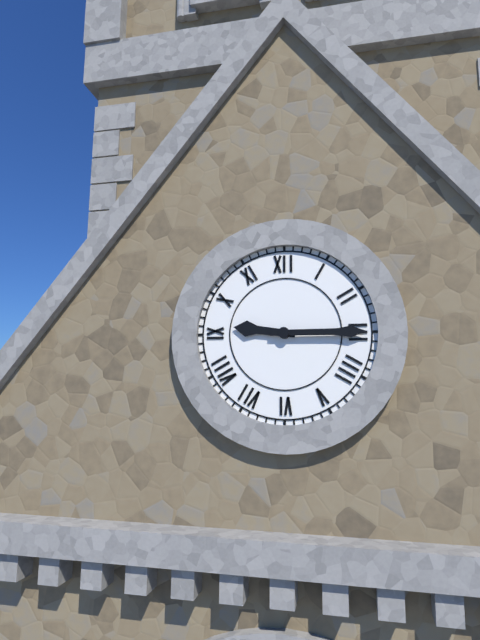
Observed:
9.15
